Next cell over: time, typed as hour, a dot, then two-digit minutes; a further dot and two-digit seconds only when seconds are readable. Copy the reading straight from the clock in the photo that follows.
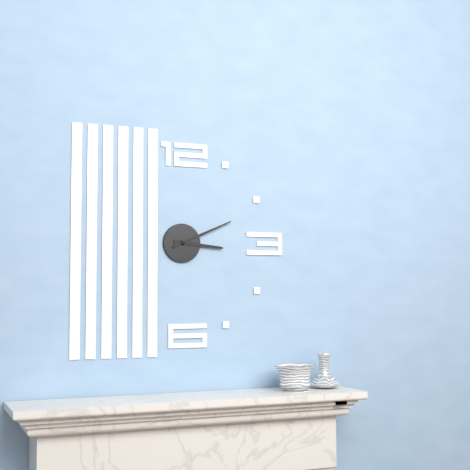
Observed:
3.11
